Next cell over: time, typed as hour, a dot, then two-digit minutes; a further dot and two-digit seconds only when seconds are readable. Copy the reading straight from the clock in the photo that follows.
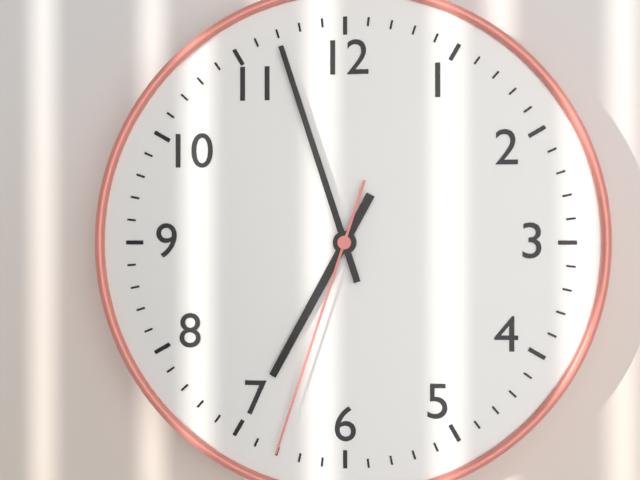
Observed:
6.57.33
